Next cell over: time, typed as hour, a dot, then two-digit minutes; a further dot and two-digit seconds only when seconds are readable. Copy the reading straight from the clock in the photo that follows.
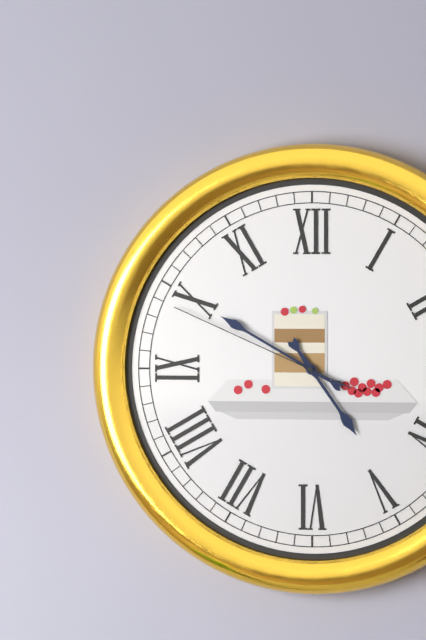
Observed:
4.50.49
